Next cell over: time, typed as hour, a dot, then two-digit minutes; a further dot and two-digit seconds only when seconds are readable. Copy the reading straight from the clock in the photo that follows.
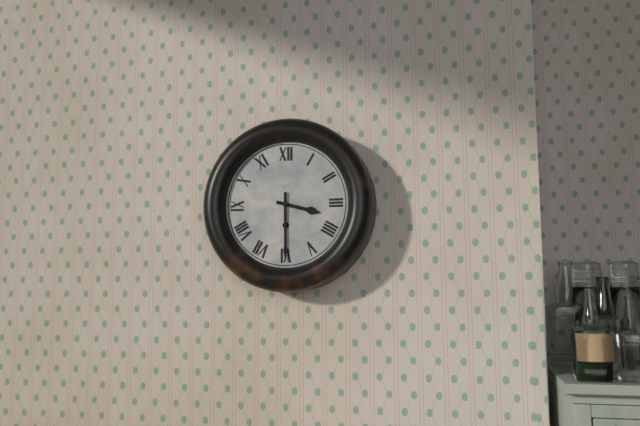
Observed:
3.30
